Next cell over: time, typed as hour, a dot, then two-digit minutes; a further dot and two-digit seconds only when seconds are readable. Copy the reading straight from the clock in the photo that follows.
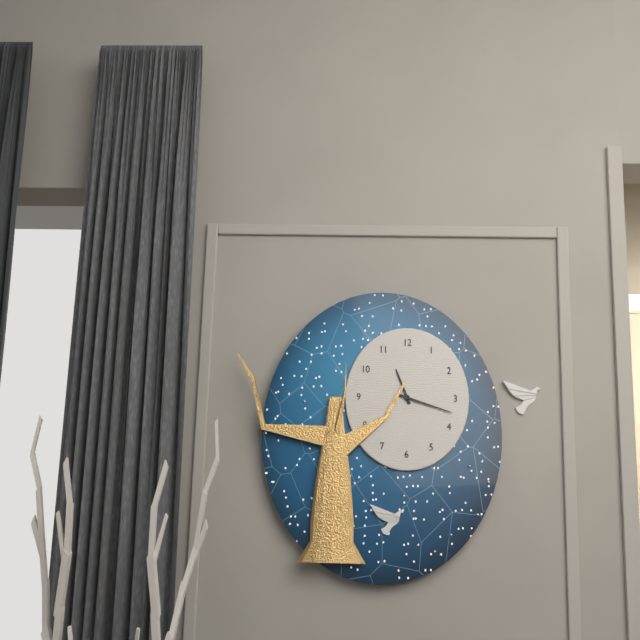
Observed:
11.18
